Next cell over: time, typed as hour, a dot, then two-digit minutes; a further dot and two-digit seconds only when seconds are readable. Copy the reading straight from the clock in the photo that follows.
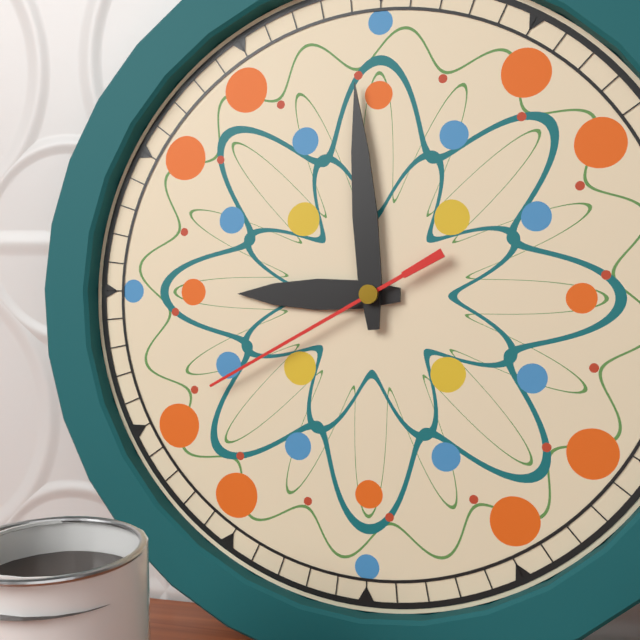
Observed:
8.59.40
